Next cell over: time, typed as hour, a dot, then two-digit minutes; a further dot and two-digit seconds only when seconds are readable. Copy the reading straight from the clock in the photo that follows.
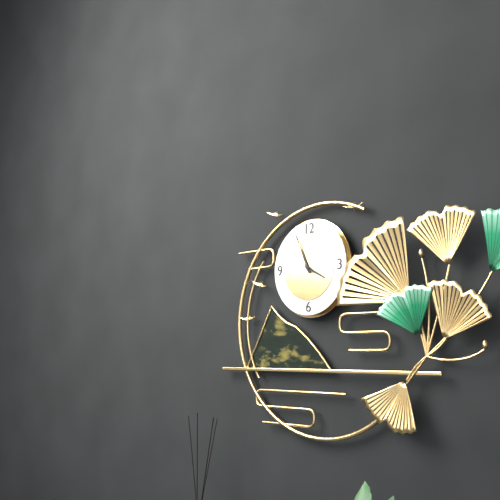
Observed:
3.56
